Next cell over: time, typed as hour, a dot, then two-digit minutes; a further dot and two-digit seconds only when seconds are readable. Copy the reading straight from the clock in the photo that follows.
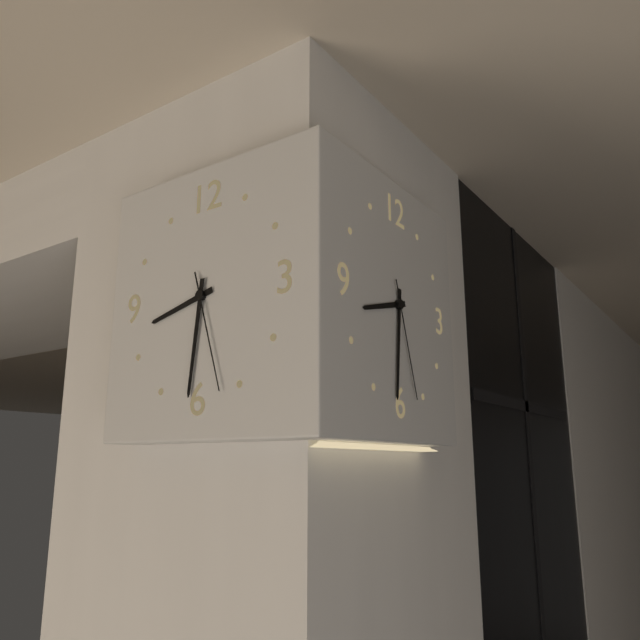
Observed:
8.31.27
